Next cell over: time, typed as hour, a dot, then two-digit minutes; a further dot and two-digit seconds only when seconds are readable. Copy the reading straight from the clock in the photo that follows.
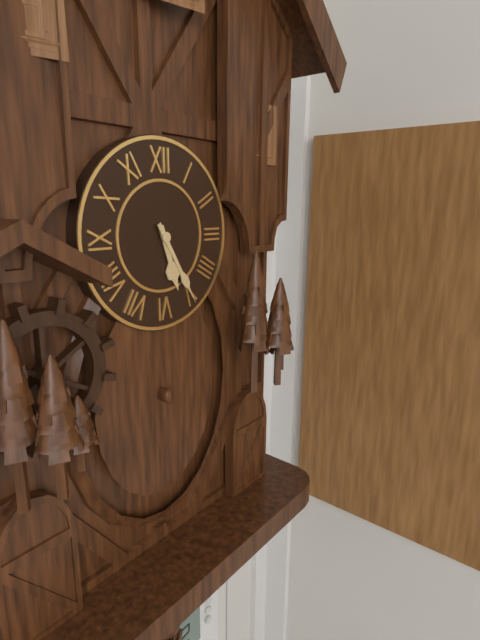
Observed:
5.25
